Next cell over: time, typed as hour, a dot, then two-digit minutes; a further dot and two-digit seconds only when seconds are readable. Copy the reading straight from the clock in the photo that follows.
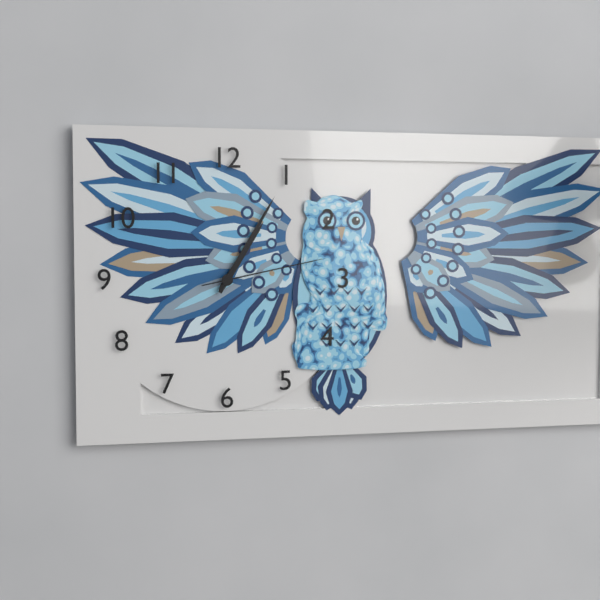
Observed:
1.05.13
